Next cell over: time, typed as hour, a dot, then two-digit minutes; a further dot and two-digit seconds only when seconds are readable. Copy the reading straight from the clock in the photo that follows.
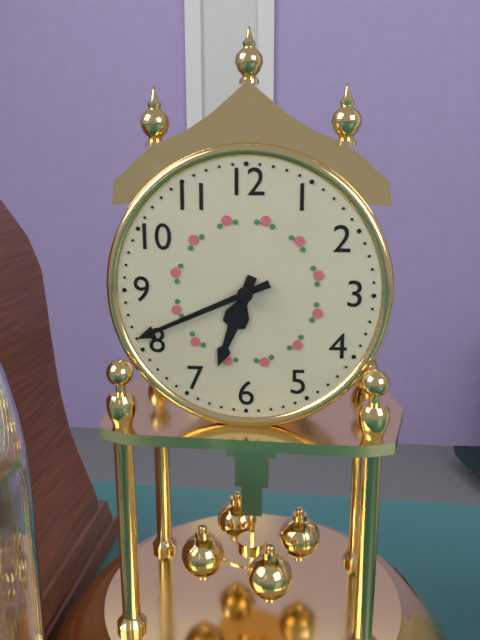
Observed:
6.41
